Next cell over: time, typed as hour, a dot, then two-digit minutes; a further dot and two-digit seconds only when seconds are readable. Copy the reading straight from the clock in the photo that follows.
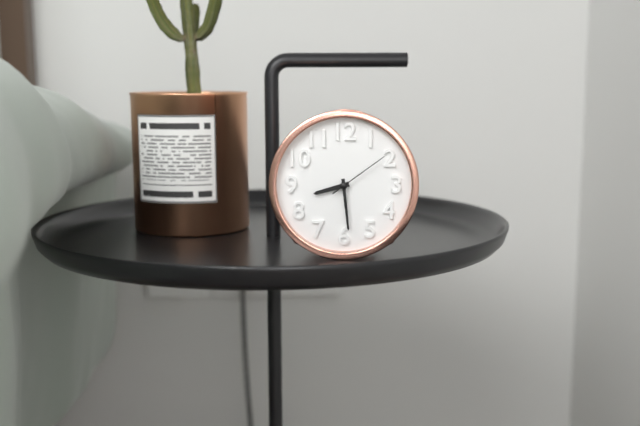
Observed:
8.29.09
